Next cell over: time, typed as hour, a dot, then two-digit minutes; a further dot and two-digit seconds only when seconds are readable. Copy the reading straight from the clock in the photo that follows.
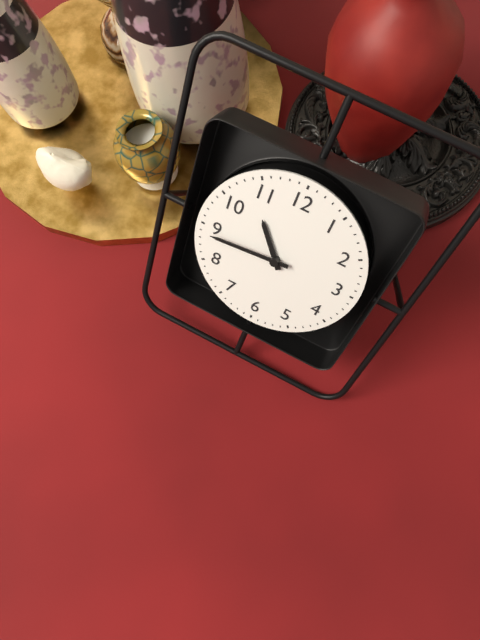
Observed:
10.44
